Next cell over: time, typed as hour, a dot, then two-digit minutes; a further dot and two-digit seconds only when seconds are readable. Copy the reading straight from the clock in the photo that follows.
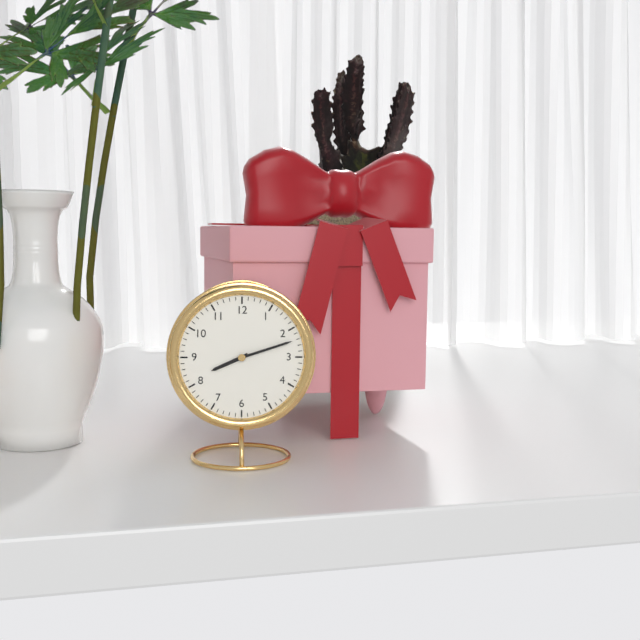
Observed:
8.12
